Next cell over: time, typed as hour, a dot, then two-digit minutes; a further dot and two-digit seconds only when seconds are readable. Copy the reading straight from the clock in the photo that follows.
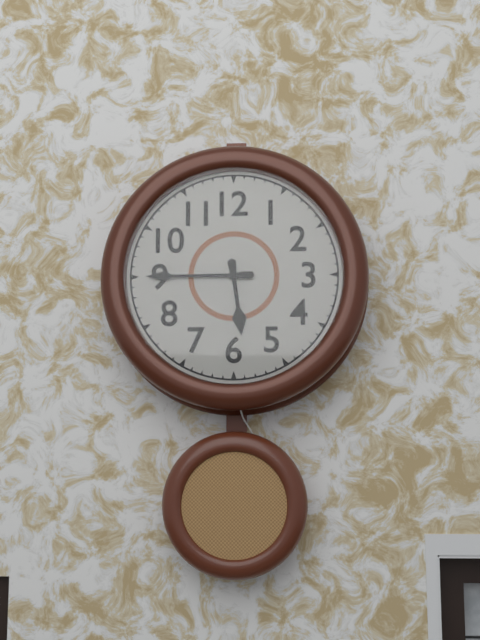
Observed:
5.45
